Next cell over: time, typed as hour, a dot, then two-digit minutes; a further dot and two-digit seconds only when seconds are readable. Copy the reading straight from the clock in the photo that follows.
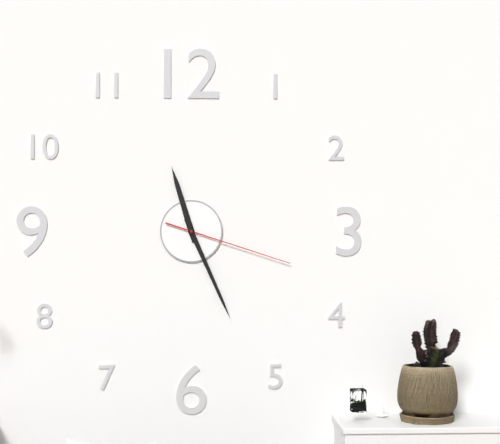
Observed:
11.26.18
